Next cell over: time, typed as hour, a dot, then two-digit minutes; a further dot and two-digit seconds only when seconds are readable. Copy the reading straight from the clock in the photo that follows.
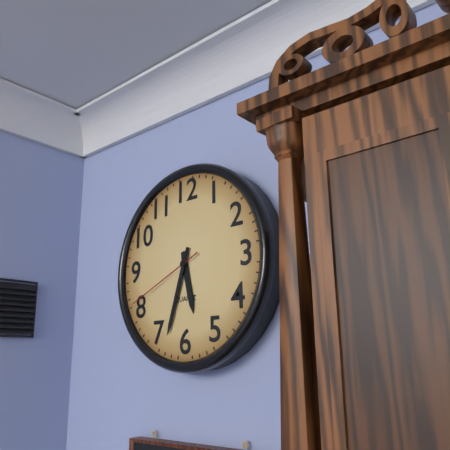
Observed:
5.33.41
